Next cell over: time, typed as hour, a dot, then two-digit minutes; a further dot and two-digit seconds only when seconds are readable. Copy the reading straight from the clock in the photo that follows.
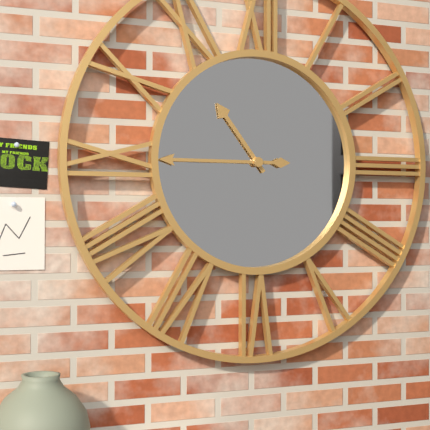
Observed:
10.45
